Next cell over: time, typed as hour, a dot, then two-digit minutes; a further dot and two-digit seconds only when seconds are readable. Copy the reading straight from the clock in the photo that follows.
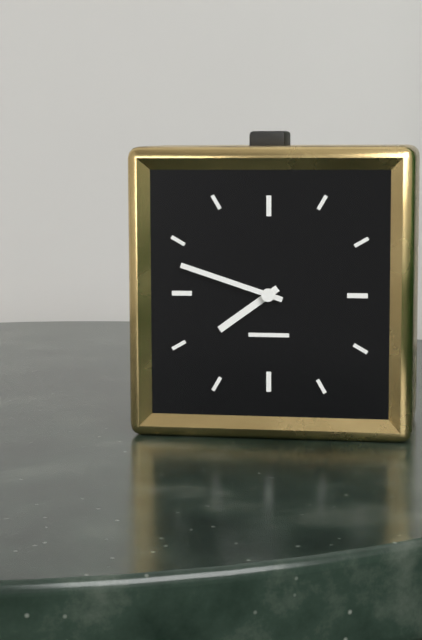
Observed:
7.48
